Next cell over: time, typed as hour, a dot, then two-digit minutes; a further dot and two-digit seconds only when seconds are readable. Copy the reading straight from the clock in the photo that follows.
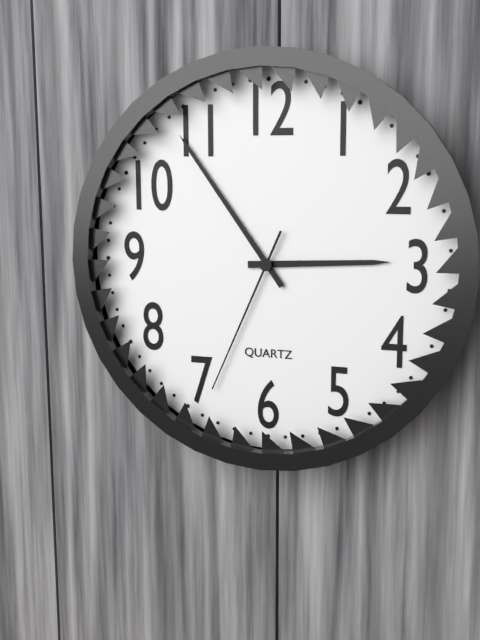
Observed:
2.54.34
